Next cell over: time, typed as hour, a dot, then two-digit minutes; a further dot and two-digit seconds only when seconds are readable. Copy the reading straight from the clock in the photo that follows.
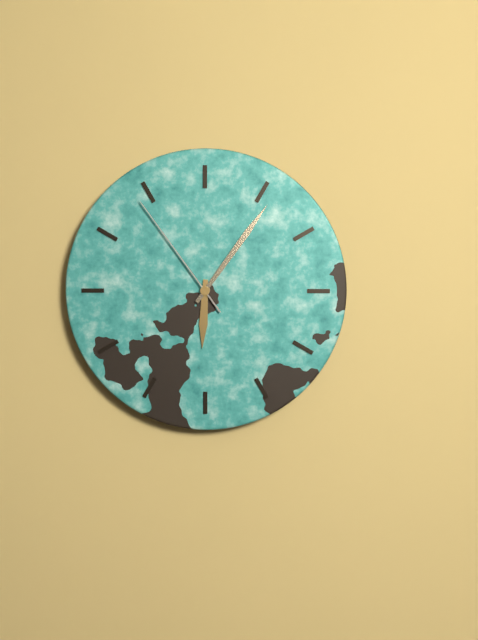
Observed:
6.06.54
